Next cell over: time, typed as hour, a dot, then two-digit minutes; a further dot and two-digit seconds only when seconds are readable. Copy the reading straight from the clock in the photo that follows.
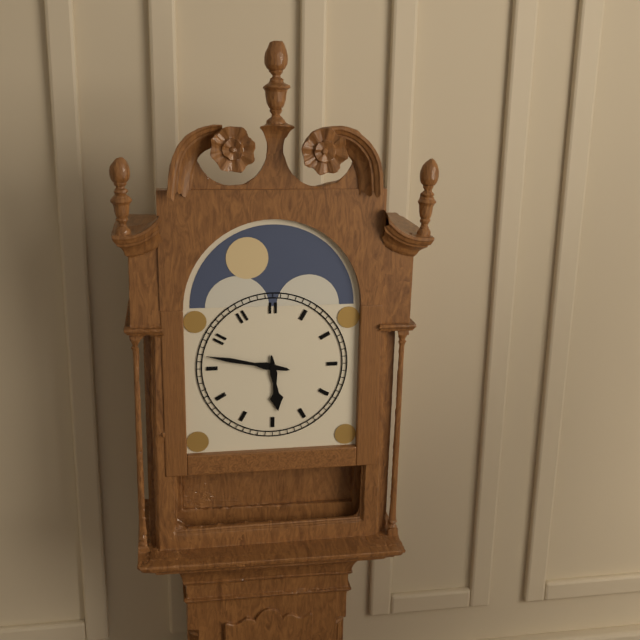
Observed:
5.47
